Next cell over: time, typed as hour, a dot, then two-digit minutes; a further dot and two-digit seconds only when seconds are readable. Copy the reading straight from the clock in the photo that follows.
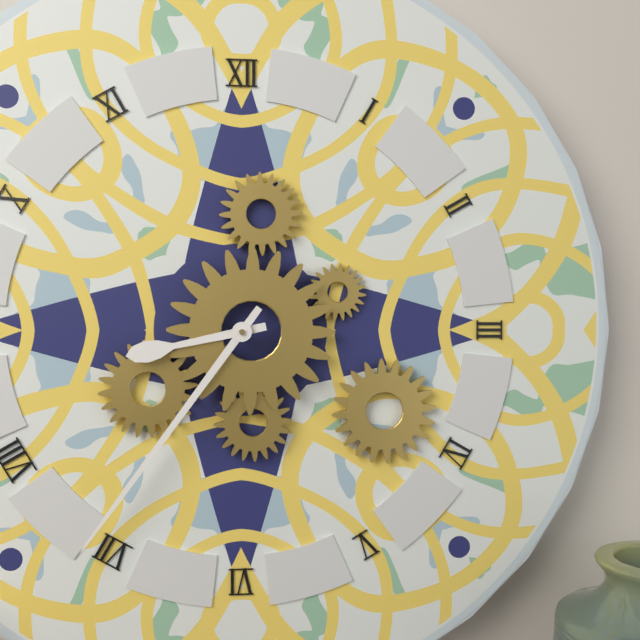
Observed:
8.36
